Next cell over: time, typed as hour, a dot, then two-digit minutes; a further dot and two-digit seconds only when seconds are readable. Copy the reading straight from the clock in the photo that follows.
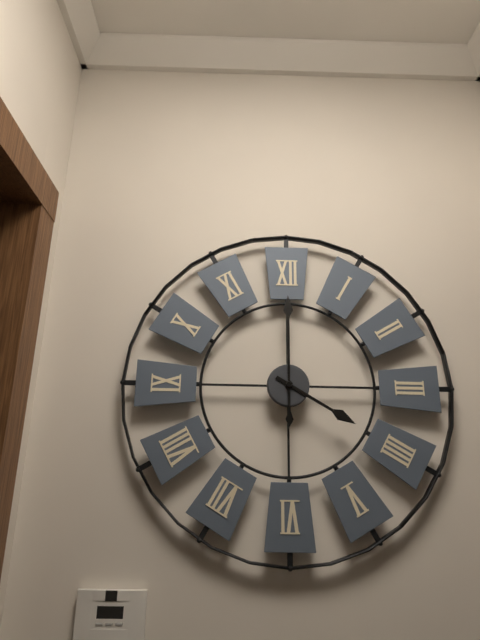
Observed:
4.00
